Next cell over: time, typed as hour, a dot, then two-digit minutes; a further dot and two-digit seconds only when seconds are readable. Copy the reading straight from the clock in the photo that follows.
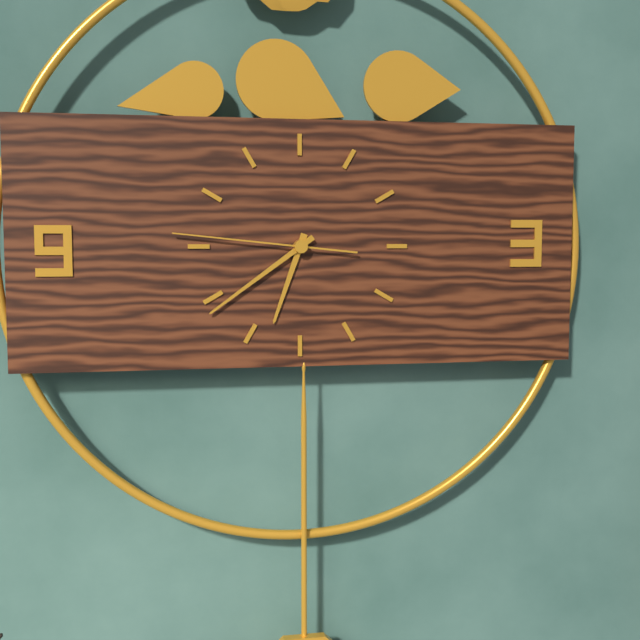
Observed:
6.39.46
